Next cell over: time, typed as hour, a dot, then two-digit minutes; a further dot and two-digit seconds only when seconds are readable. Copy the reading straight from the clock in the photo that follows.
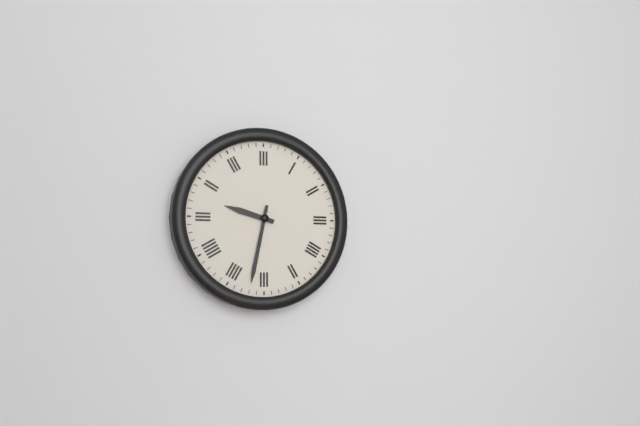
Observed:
9.32
